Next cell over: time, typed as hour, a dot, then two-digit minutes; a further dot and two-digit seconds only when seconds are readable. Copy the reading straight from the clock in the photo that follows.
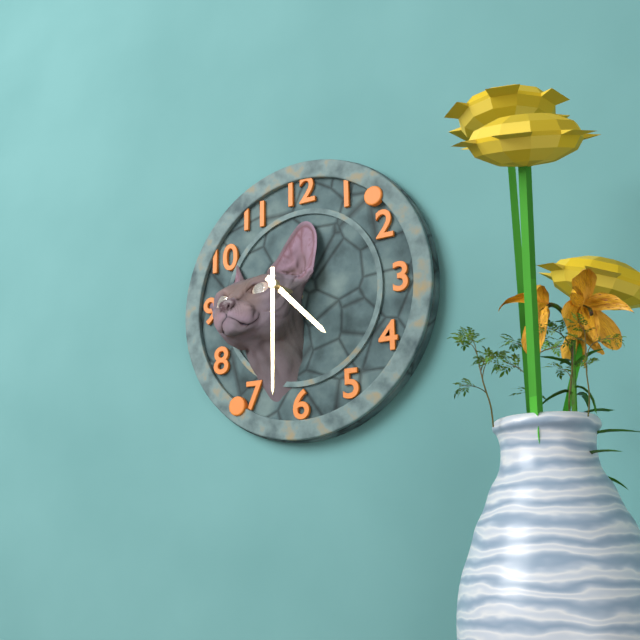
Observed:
4.30
